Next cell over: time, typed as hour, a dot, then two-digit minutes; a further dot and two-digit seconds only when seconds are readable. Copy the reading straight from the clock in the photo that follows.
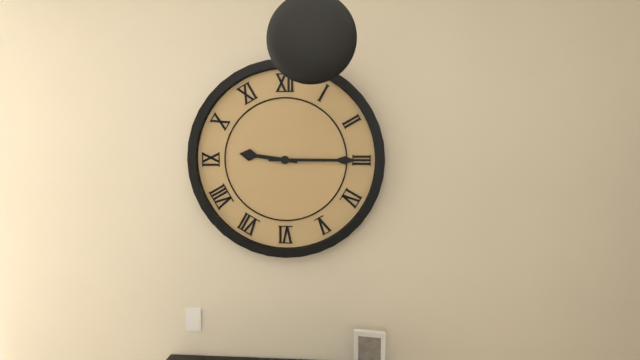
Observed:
9.15
